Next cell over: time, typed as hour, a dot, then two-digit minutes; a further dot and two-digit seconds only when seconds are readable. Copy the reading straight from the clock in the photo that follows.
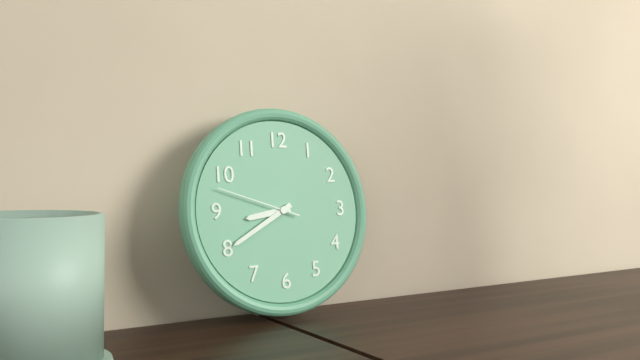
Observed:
8.40.48
